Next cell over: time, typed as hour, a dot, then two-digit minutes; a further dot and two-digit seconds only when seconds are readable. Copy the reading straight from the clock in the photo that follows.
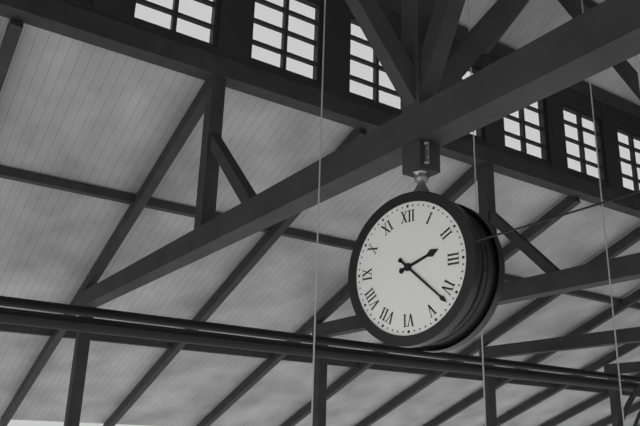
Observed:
2.22
